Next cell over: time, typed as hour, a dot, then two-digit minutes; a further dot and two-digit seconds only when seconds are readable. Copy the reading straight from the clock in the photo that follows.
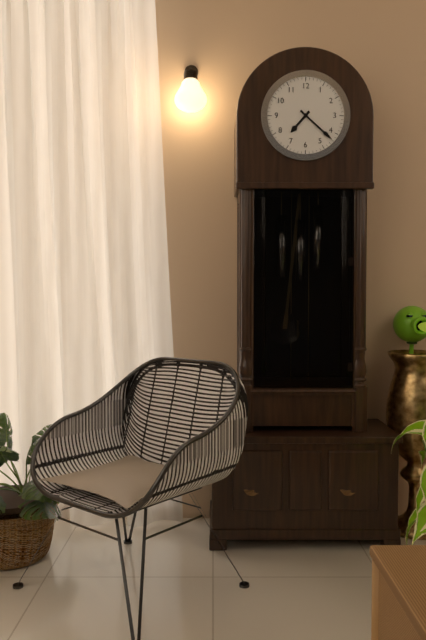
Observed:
7.22
